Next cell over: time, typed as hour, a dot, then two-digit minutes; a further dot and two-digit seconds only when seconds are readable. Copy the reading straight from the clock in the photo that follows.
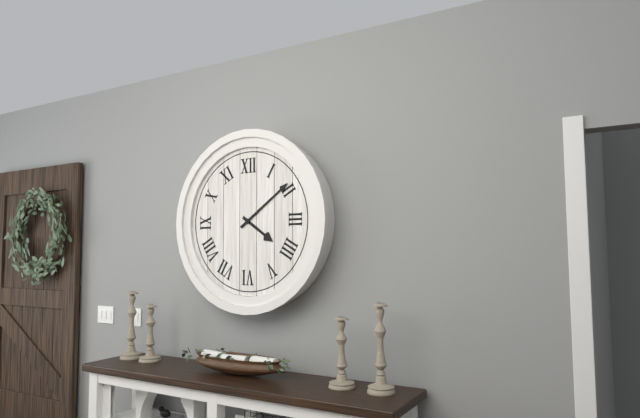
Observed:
4.09
